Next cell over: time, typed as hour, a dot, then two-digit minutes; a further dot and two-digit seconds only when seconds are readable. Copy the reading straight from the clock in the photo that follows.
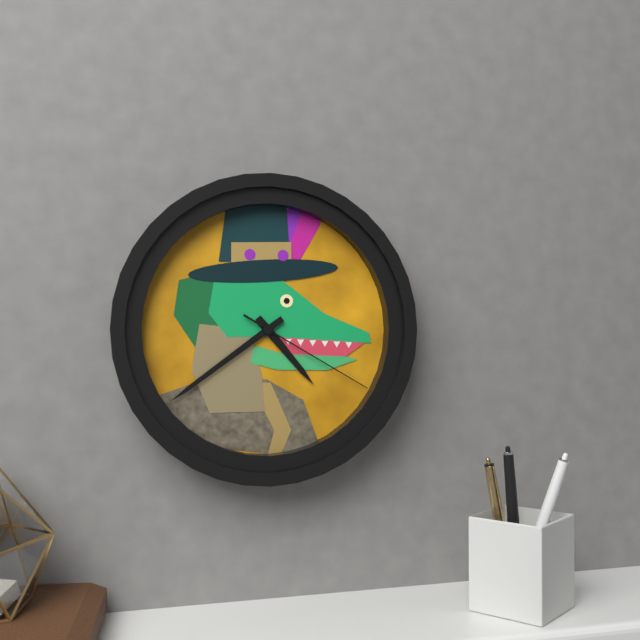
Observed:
4.39.20
